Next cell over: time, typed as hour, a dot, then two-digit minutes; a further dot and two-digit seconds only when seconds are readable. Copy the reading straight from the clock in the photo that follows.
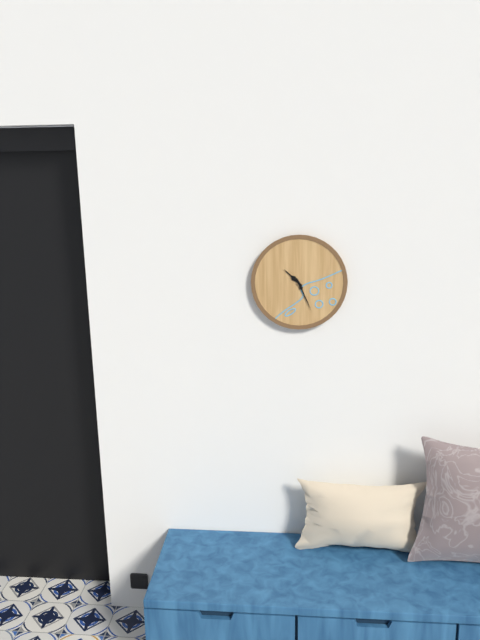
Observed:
10.26
